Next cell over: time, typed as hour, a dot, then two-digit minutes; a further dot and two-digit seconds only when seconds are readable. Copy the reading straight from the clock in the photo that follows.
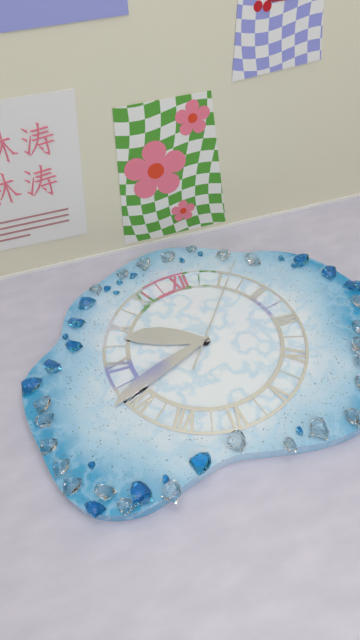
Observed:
9.41.06
